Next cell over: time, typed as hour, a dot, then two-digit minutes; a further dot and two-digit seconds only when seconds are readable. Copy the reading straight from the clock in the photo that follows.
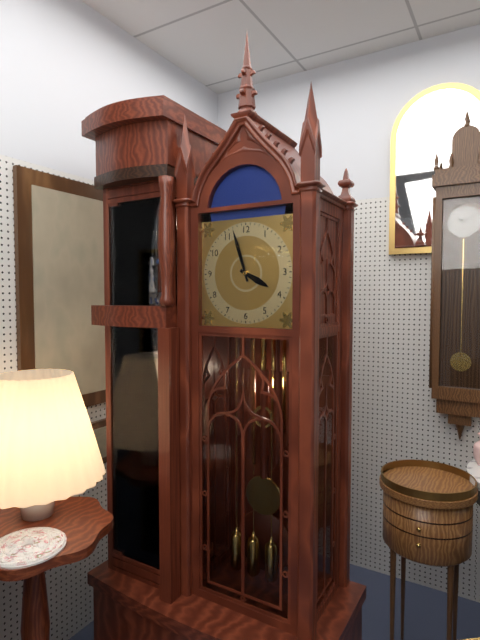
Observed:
3.57
